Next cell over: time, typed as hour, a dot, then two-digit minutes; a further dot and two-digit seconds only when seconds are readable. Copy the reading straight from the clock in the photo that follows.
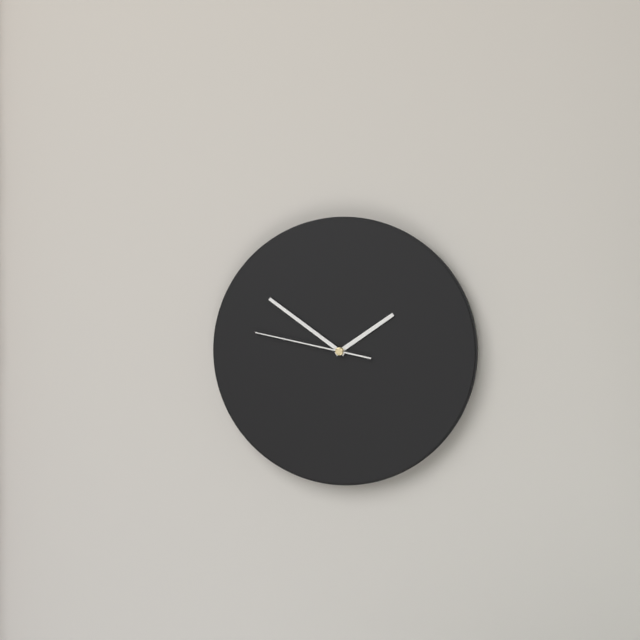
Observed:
1.51.47
